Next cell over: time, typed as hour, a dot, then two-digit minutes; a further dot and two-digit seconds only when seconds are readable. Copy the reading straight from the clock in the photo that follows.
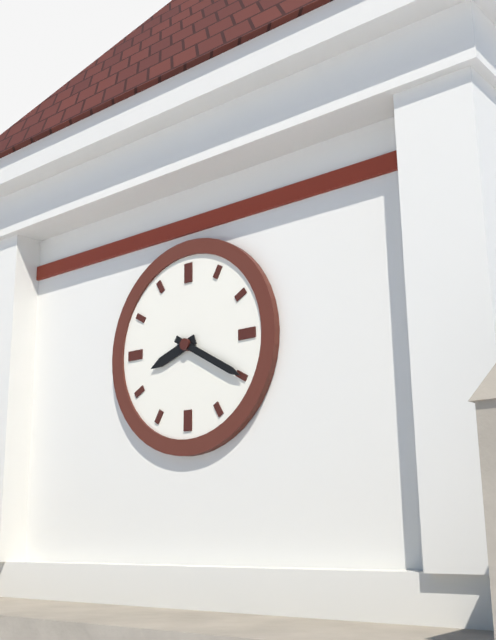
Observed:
8.20
